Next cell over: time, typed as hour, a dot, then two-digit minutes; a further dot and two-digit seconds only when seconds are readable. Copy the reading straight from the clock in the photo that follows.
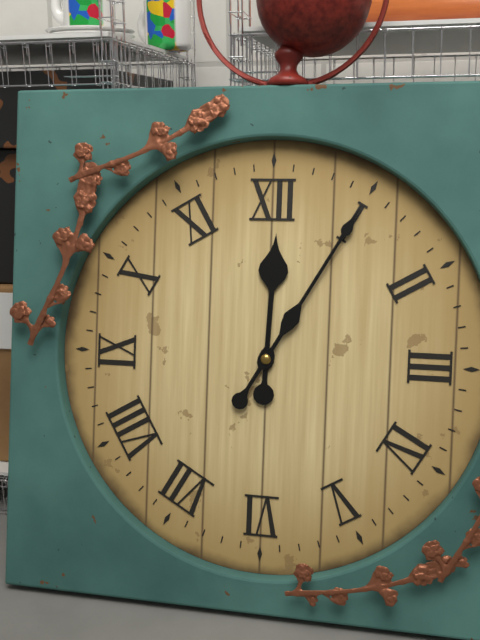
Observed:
12.05
